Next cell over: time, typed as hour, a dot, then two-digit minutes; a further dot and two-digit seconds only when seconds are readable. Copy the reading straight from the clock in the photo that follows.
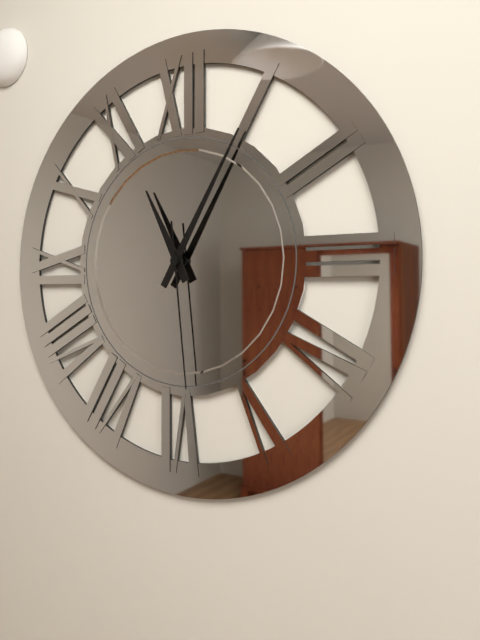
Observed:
11.05.29
